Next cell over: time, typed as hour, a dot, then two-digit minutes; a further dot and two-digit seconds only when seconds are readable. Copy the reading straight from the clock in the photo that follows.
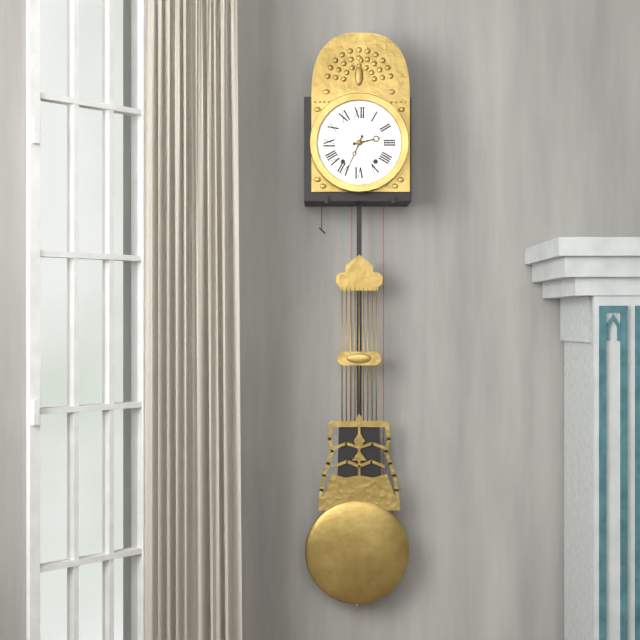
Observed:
2.34
